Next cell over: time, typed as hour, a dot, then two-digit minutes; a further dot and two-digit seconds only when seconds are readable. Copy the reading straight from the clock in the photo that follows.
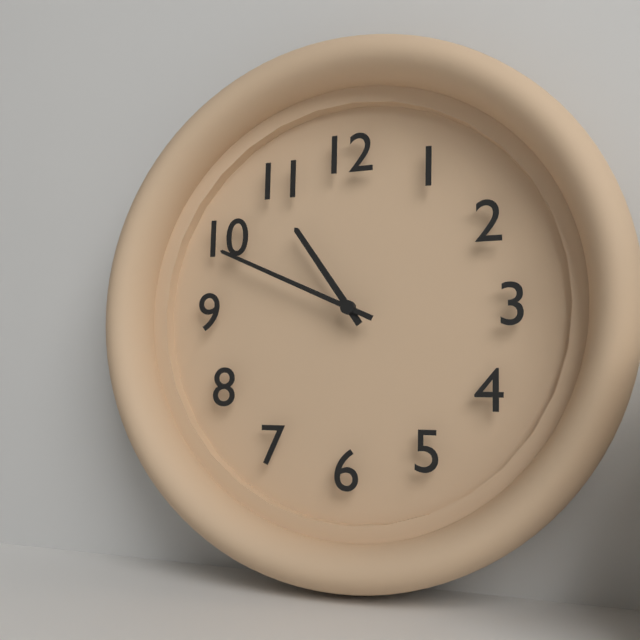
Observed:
10.49
